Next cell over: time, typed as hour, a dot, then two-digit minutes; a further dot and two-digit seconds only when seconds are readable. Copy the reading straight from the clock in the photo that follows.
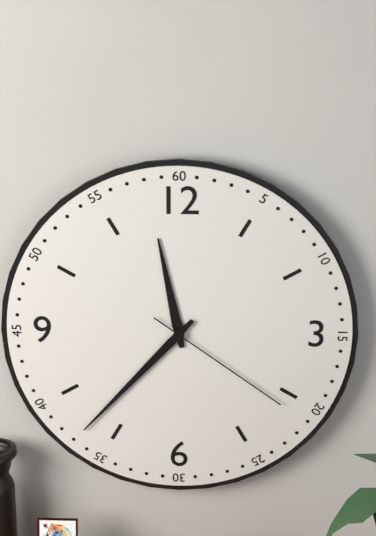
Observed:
11.37.21
